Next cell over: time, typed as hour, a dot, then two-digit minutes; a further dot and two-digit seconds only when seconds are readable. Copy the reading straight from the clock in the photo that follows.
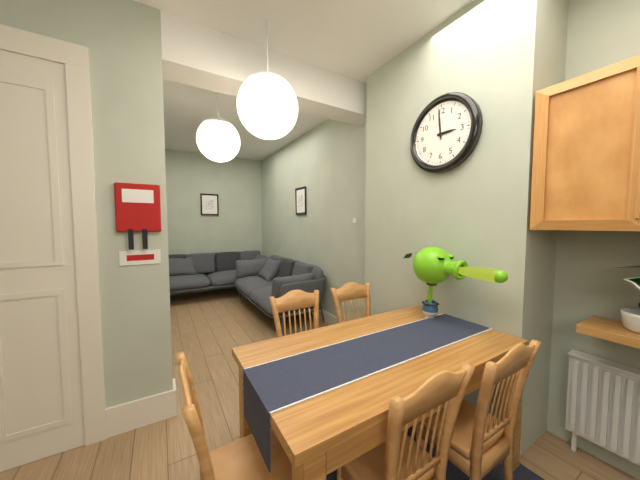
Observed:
2.59
